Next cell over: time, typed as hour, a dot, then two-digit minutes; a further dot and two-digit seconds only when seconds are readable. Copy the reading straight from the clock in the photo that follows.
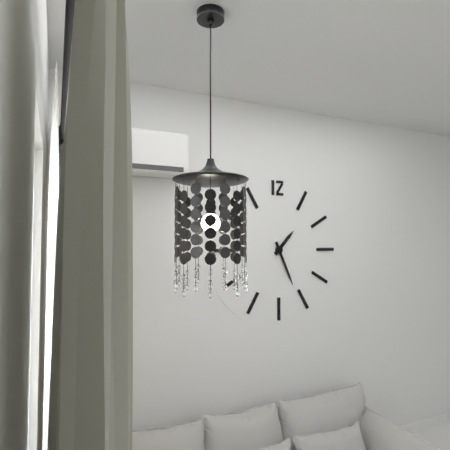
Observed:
1.26
